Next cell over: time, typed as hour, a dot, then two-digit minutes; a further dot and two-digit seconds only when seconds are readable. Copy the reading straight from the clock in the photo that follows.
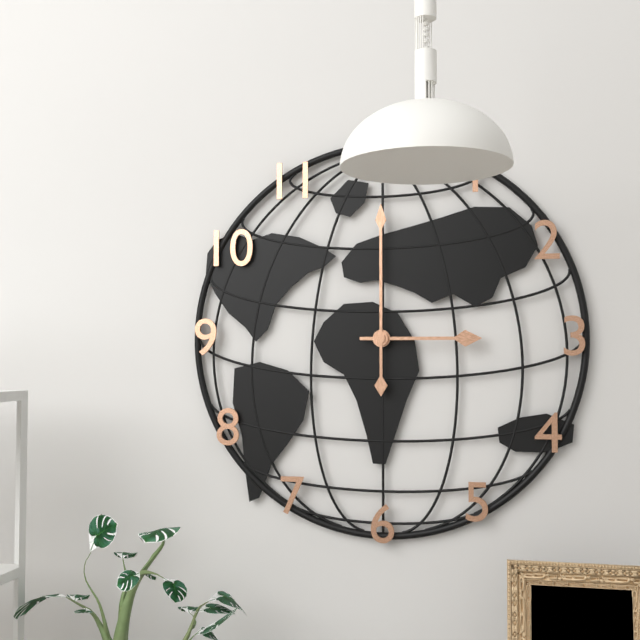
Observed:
3.00
